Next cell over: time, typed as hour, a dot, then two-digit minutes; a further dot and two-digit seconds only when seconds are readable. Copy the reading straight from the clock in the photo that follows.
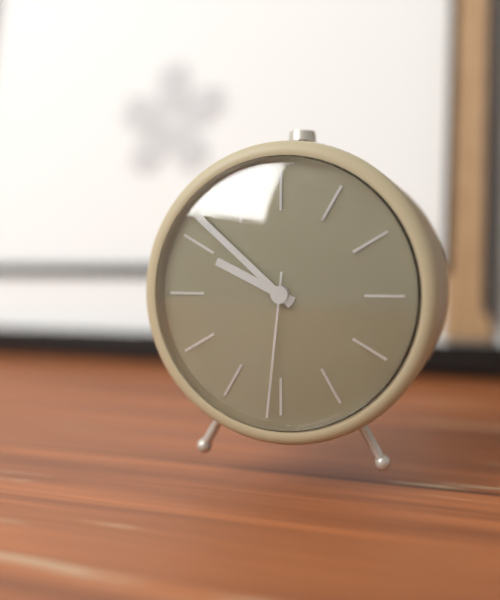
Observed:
9.52.31
